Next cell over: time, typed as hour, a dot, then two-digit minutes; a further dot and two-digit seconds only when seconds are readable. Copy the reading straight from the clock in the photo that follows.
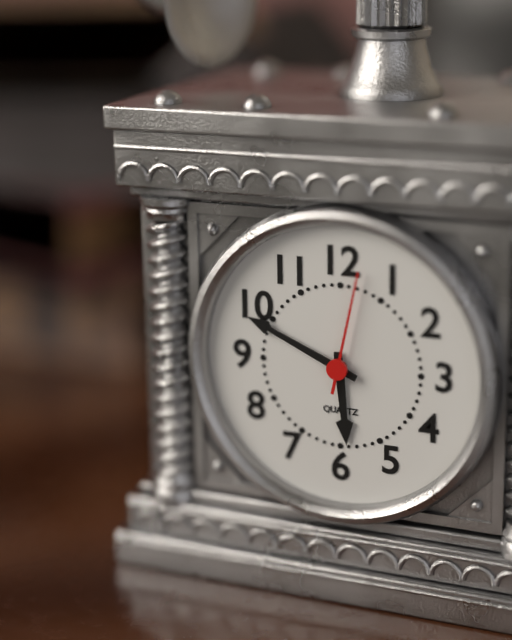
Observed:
5.49.02
